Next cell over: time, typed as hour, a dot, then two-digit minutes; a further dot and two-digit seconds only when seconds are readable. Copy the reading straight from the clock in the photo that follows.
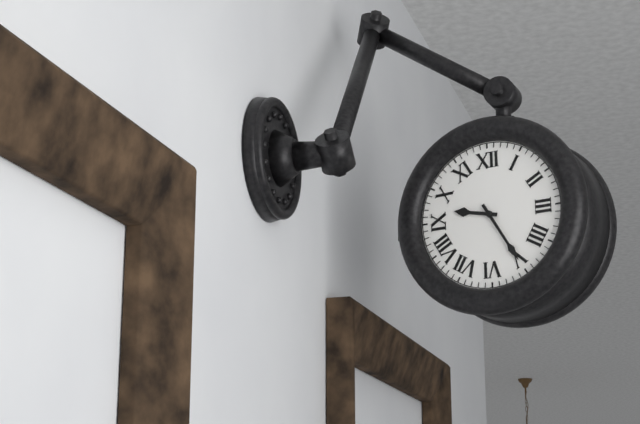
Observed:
9.25
